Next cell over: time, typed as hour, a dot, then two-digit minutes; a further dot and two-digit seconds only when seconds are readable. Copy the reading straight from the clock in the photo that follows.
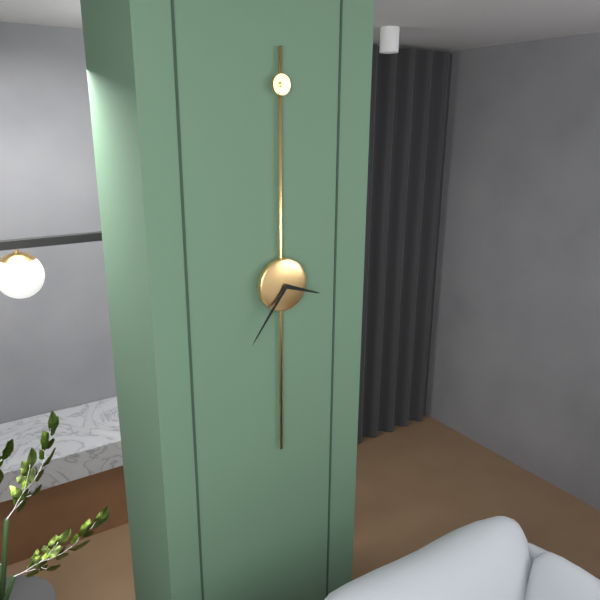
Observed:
3.36
